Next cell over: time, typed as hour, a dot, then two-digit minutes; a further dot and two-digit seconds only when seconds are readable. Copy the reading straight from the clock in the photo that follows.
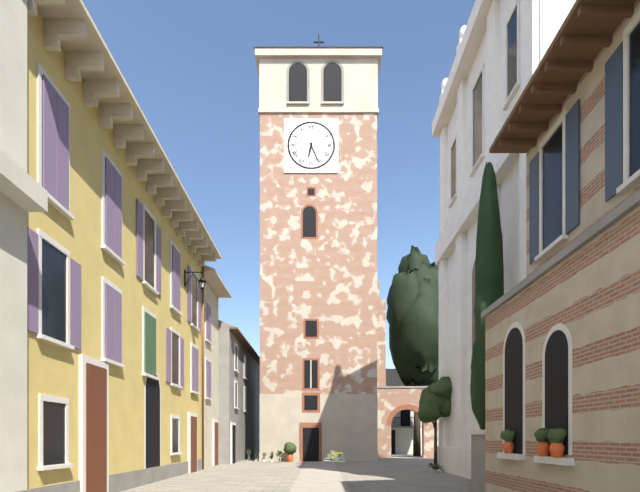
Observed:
6.26
